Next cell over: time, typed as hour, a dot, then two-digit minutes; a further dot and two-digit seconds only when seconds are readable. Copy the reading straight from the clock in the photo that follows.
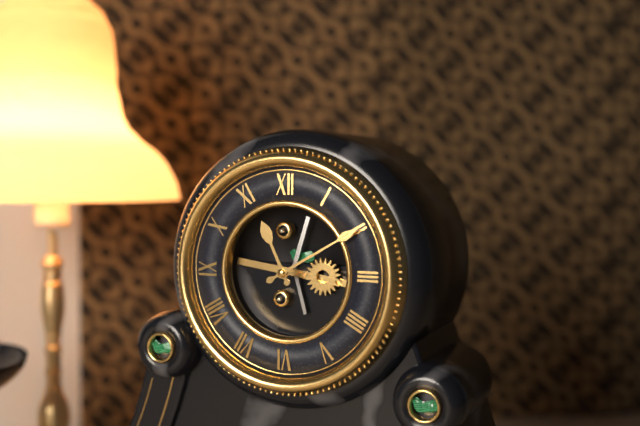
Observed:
11.10
